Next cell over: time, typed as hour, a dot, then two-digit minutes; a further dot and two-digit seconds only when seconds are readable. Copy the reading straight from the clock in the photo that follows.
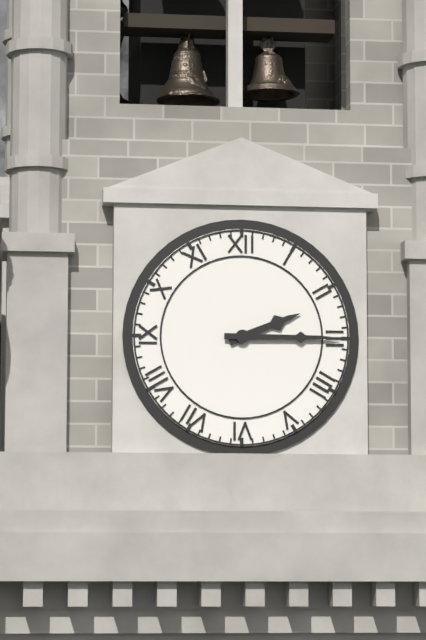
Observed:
2.15
